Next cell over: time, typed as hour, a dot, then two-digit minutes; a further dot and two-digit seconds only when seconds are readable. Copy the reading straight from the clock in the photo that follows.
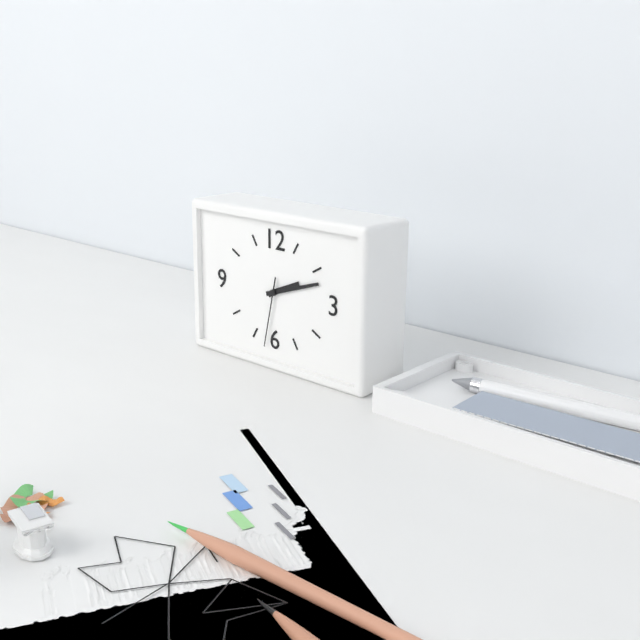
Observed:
2.12.32
